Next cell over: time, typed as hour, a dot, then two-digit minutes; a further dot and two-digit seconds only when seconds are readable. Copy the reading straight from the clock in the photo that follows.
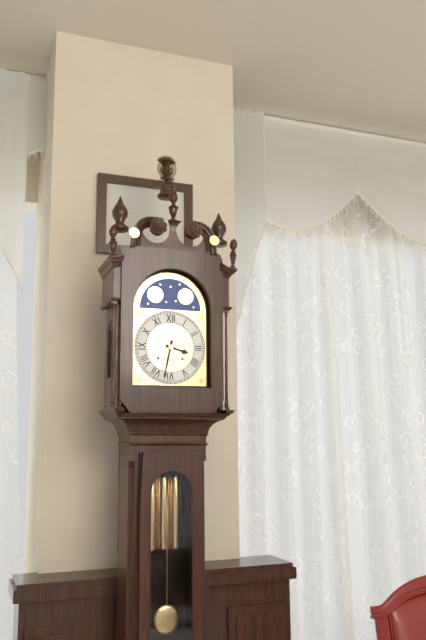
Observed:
3.32
